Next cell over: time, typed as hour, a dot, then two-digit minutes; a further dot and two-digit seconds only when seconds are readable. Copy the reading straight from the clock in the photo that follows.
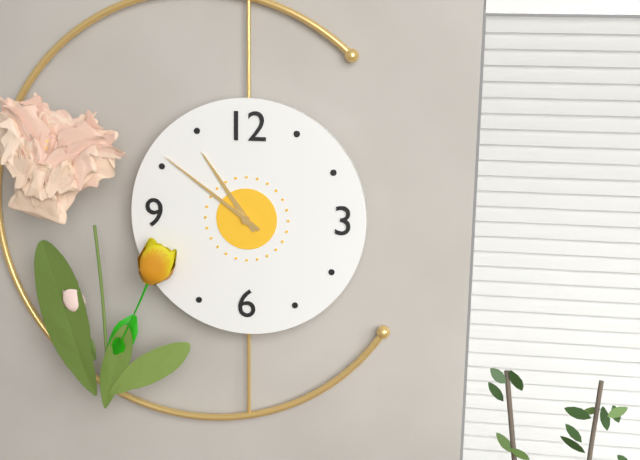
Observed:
10.51
